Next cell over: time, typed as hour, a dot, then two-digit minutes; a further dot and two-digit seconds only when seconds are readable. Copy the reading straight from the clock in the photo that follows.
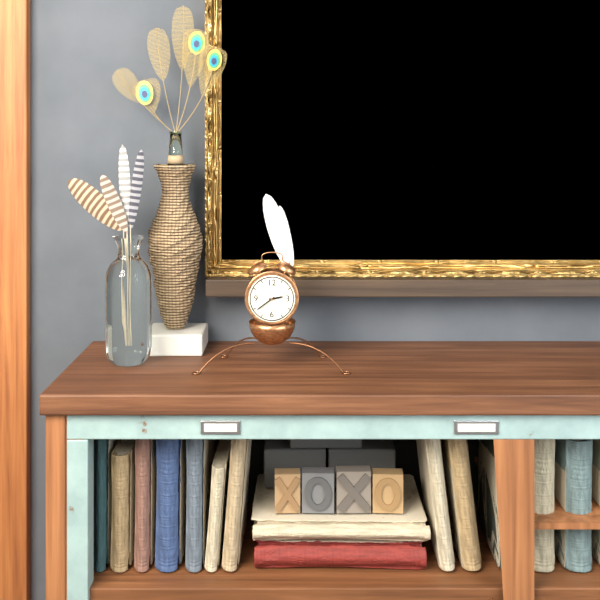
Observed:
2.39
